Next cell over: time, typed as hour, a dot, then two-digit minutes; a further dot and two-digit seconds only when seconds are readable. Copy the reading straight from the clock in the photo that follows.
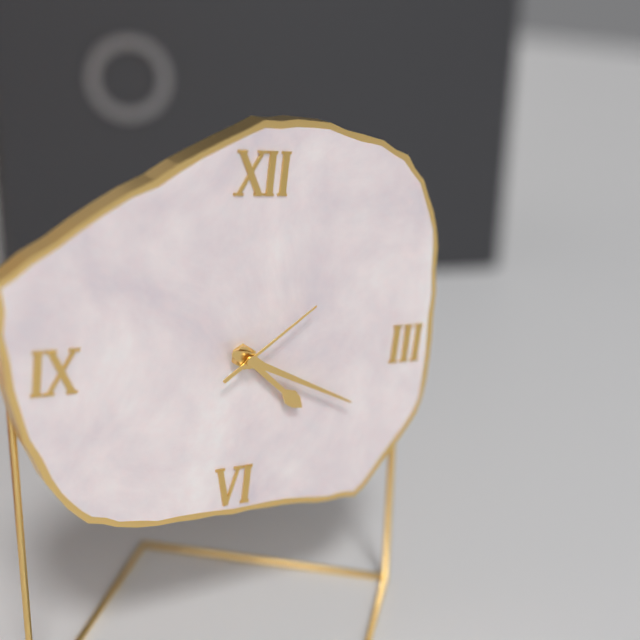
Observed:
4.19.09
